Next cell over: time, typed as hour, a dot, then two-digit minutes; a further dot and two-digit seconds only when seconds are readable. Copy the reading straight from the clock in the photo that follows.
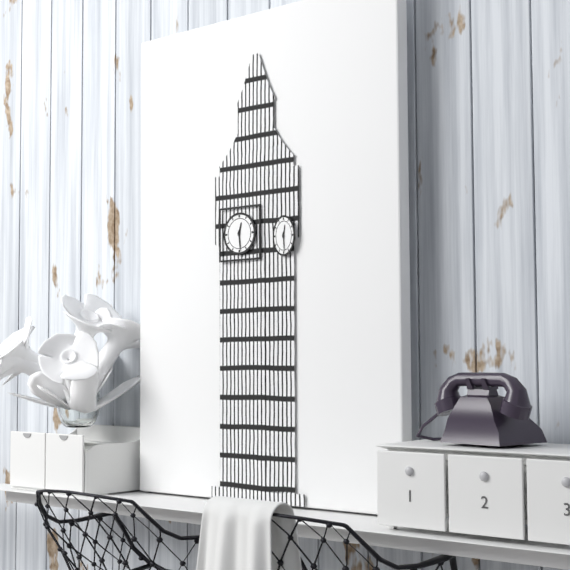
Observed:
12.29
